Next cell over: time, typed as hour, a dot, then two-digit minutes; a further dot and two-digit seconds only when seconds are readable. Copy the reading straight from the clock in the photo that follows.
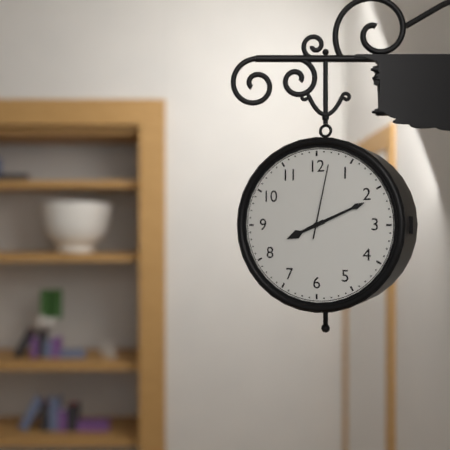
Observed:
8.11.02
